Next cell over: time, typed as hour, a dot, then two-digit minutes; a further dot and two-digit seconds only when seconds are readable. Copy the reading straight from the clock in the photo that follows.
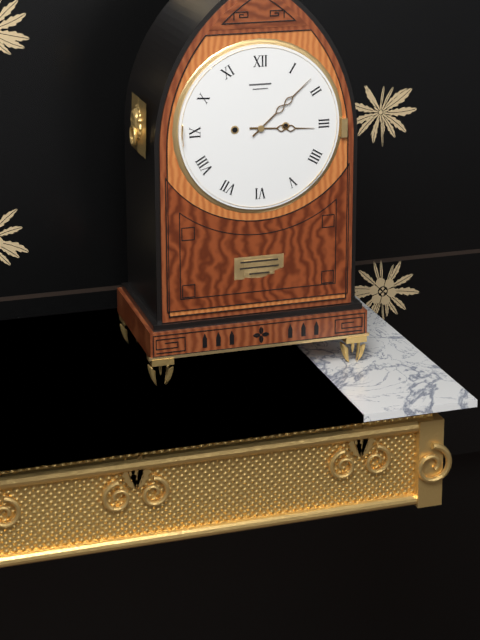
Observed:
3.08
